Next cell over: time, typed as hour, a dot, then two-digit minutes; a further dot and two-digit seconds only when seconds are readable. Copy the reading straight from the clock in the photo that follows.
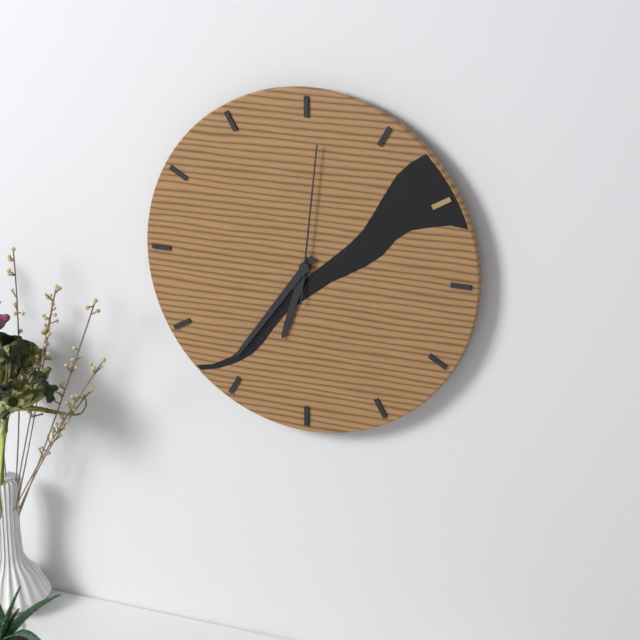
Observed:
6.36.01
